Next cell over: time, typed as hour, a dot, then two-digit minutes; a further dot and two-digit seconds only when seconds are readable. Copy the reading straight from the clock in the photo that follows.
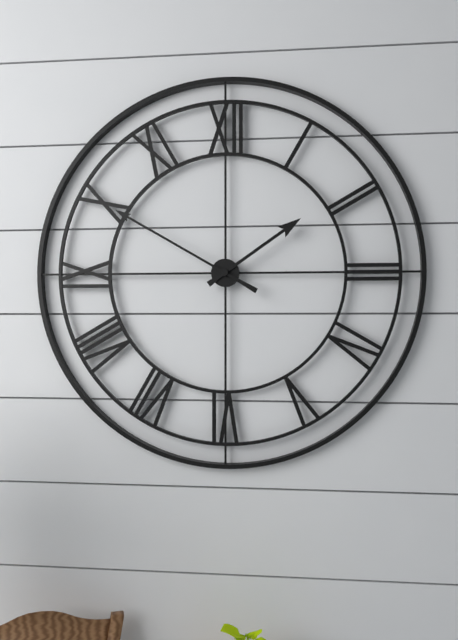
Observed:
1.50
